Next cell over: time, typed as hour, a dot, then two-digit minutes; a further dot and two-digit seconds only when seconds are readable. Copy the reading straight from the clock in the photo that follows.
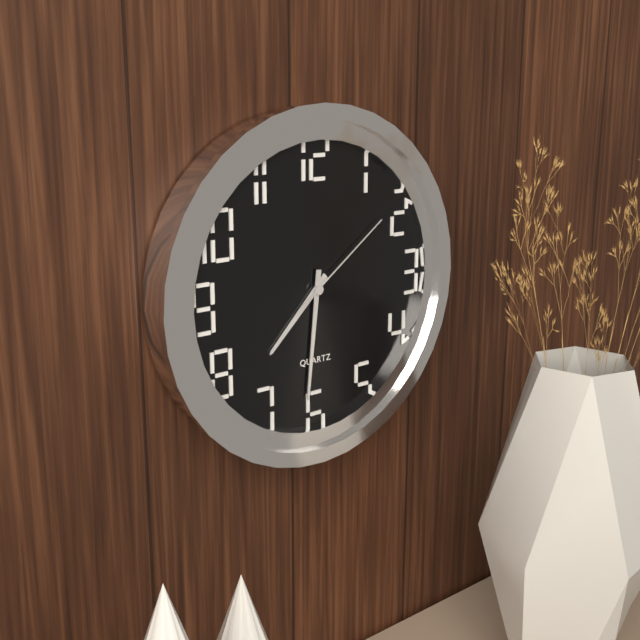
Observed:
7.31.09
